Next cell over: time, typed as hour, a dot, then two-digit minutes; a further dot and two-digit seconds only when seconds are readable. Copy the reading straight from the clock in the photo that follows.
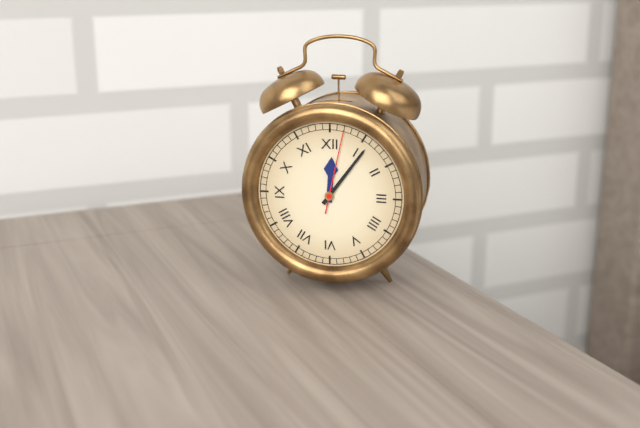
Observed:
12.06.02
